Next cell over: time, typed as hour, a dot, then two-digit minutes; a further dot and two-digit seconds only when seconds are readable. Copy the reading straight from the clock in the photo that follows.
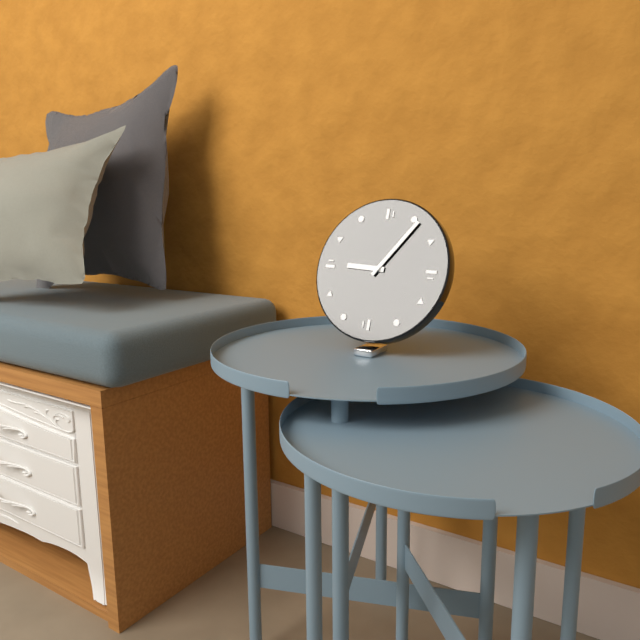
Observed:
9.06
